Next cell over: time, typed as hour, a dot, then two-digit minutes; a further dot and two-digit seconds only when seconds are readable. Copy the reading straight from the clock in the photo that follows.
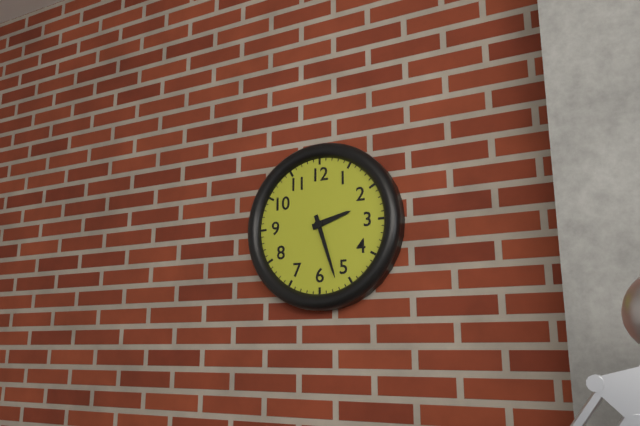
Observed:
2.27
